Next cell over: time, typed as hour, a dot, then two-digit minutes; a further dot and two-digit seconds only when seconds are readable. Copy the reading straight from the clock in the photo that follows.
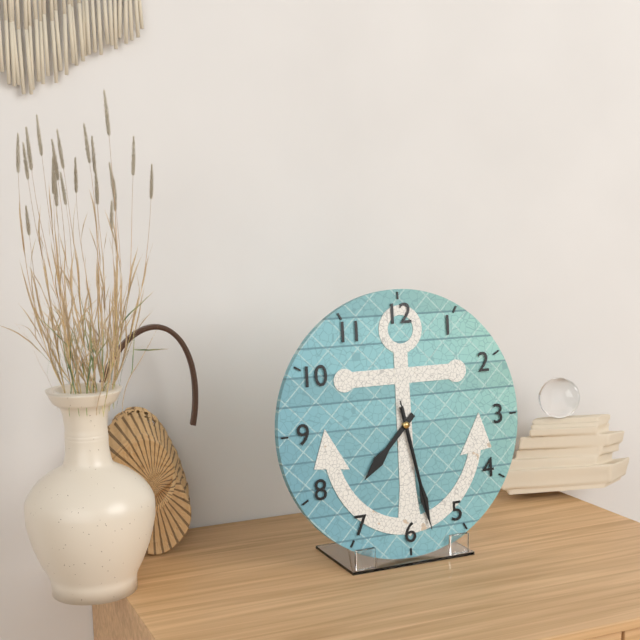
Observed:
7.28.28
